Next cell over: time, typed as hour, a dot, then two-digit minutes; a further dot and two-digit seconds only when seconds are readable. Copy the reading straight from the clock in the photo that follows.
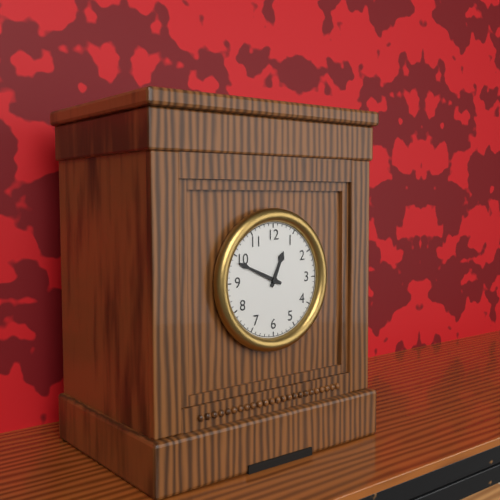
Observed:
12.49
